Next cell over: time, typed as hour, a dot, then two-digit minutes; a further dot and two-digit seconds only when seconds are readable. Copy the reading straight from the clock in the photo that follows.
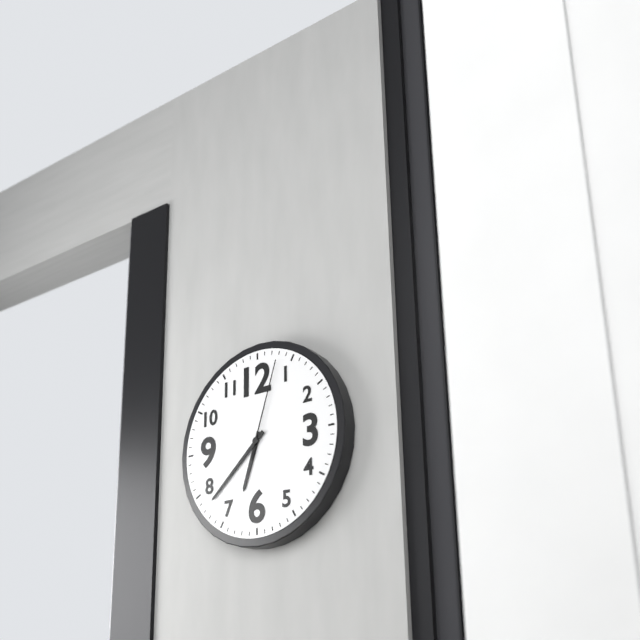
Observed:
6.38.03
